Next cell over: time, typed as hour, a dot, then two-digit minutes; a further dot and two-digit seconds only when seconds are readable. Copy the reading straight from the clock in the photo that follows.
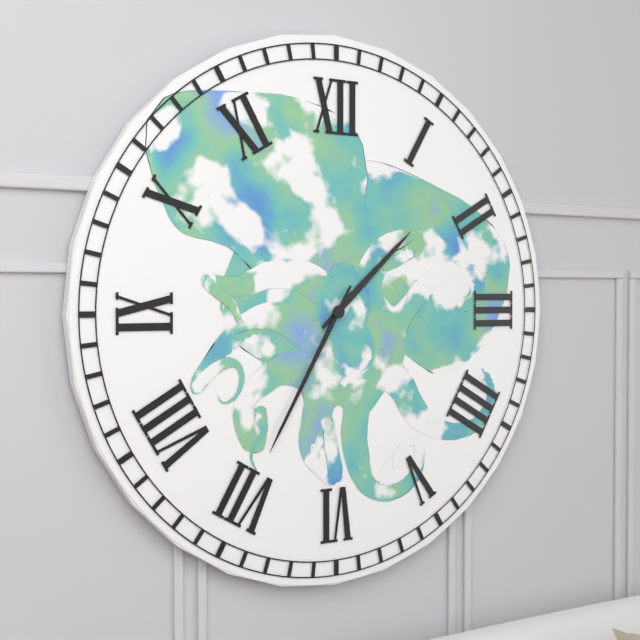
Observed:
1.35
